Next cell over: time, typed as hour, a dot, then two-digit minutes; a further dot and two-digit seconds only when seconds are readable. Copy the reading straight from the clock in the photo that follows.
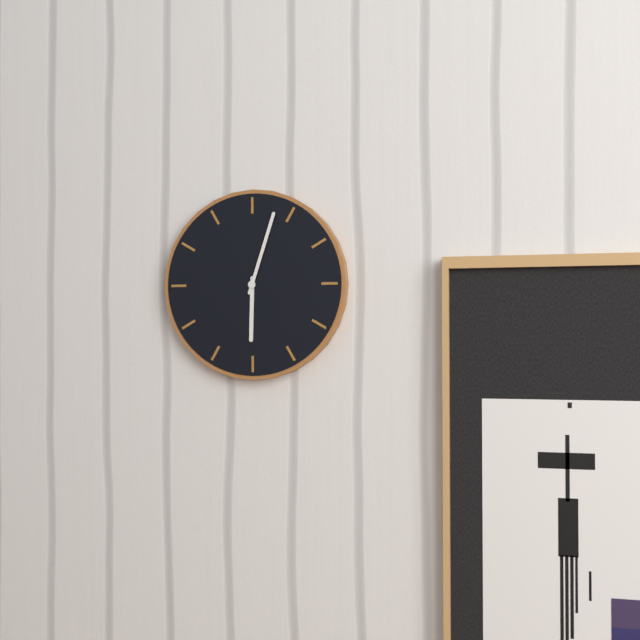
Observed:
6.03
